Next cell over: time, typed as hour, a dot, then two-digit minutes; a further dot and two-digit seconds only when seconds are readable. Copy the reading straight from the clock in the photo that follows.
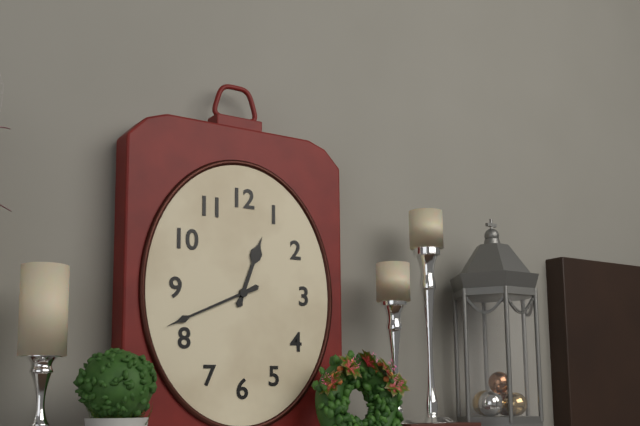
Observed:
12.41
